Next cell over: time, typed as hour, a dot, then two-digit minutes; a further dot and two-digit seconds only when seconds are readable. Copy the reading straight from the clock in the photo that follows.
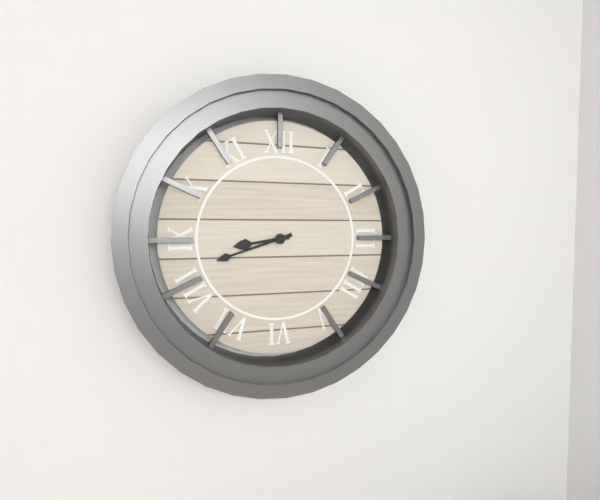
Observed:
8.42
